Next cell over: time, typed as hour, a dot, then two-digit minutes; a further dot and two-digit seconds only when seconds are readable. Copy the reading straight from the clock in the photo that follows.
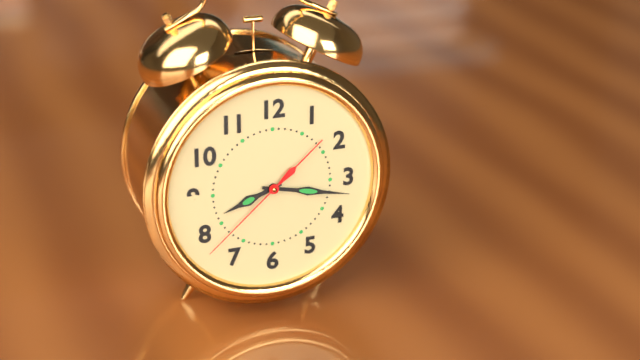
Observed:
8.17.38
